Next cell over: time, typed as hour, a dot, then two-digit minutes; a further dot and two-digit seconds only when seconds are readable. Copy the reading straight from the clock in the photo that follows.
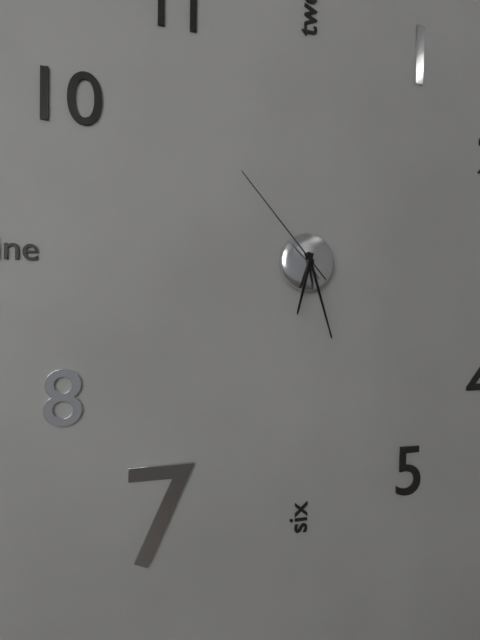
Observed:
6.27.53
